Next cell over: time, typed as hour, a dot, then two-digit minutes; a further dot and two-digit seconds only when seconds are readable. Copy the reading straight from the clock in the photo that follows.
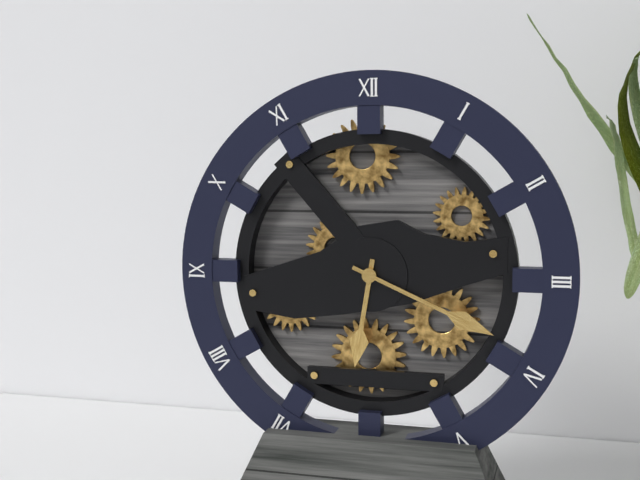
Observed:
6.19
